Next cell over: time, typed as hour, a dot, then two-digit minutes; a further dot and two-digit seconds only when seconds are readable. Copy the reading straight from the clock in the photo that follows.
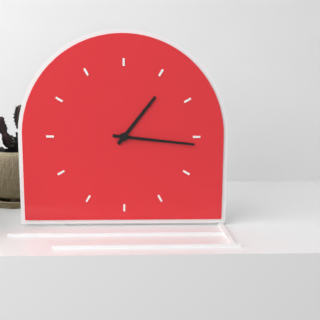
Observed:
1.16
